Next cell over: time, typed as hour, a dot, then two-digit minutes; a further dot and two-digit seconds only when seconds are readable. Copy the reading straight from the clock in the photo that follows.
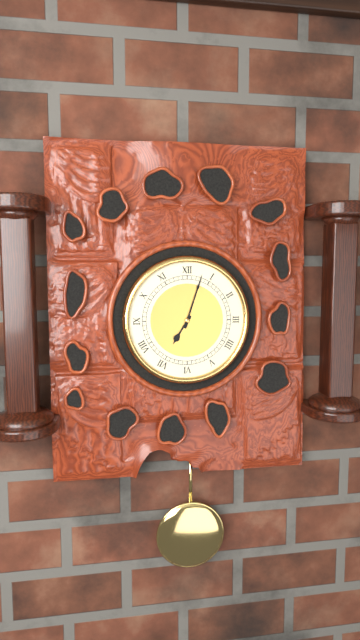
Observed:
7.03
